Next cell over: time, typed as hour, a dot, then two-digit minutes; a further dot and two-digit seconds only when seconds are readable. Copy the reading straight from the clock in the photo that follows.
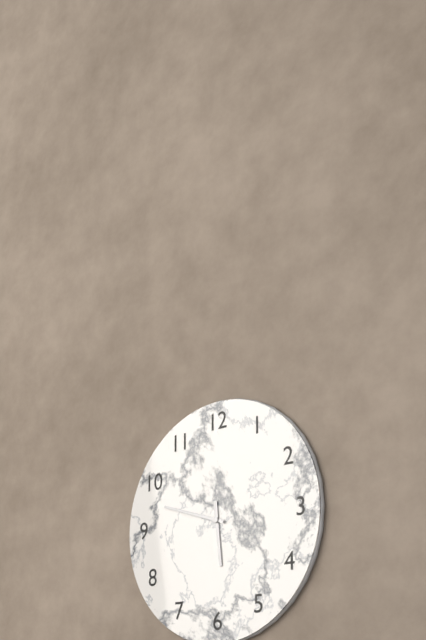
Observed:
5.48
